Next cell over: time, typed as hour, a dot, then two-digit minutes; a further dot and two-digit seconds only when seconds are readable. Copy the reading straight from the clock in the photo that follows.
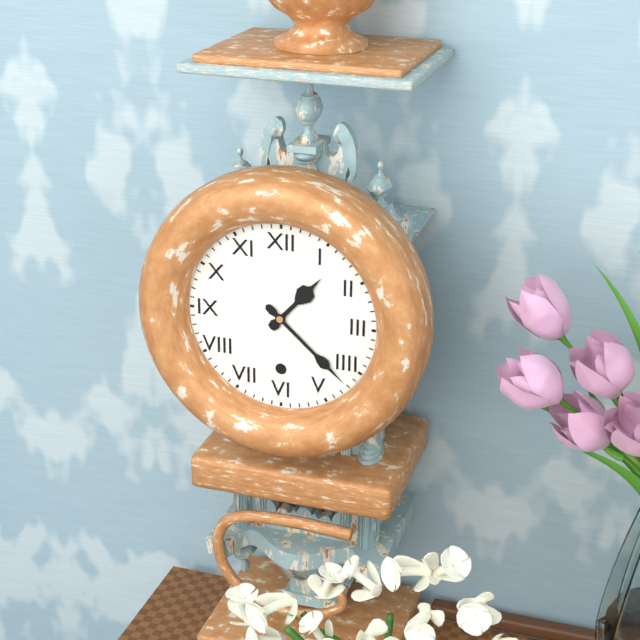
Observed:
1.22
